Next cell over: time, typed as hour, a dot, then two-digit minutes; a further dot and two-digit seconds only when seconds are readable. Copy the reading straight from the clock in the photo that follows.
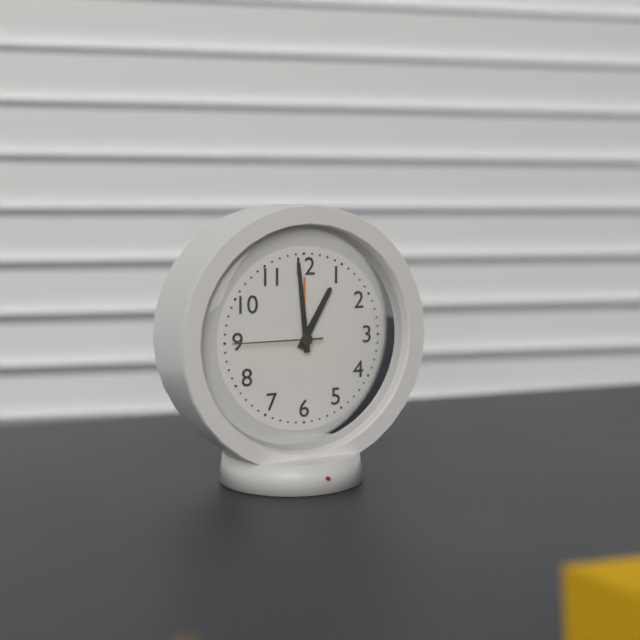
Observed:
12.59.45
